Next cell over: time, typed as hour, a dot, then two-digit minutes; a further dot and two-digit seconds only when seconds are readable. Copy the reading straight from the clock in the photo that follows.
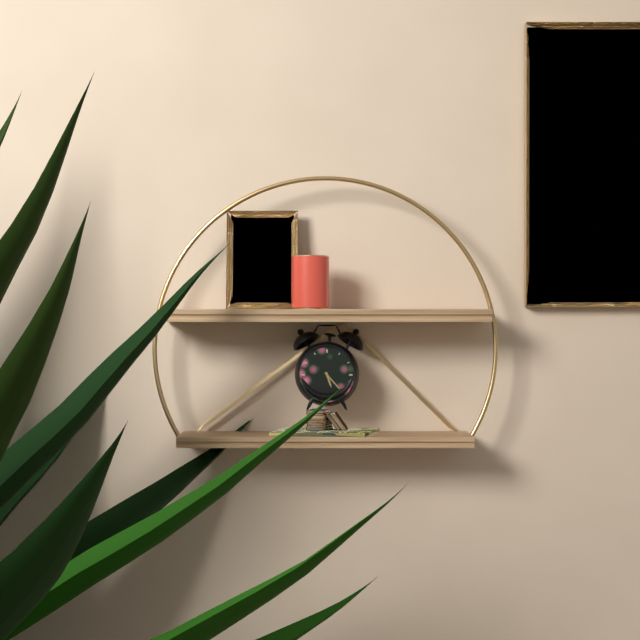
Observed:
5.23
